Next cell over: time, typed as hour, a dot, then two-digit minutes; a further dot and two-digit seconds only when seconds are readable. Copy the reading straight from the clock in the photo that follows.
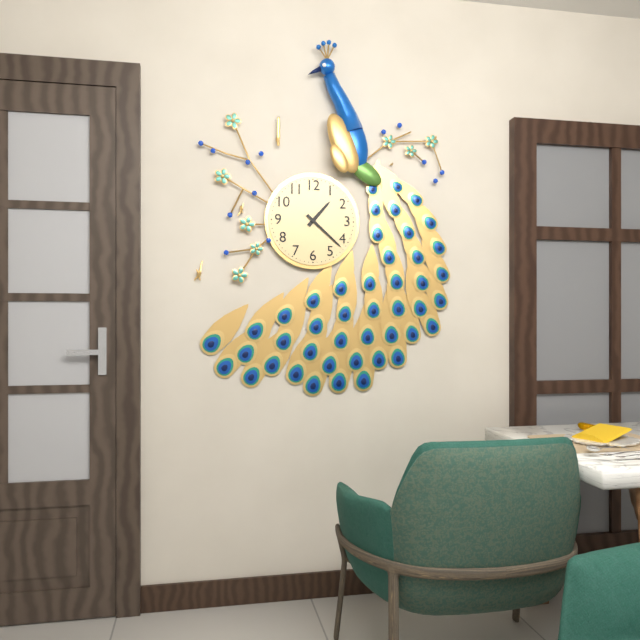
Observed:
1.22
